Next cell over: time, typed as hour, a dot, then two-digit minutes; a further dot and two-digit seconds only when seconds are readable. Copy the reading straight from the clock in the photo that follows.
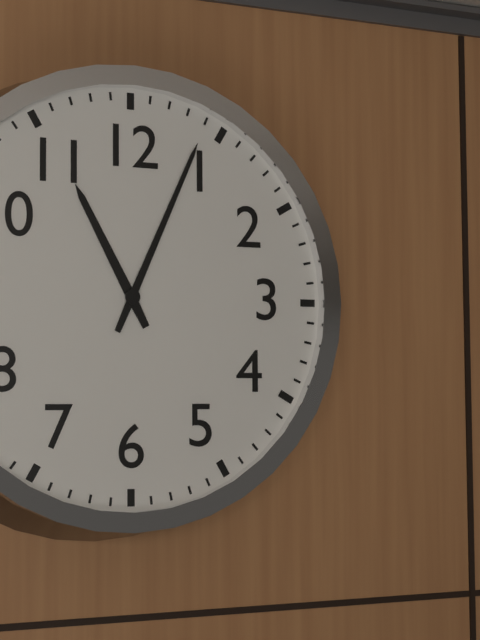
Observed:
11.04
